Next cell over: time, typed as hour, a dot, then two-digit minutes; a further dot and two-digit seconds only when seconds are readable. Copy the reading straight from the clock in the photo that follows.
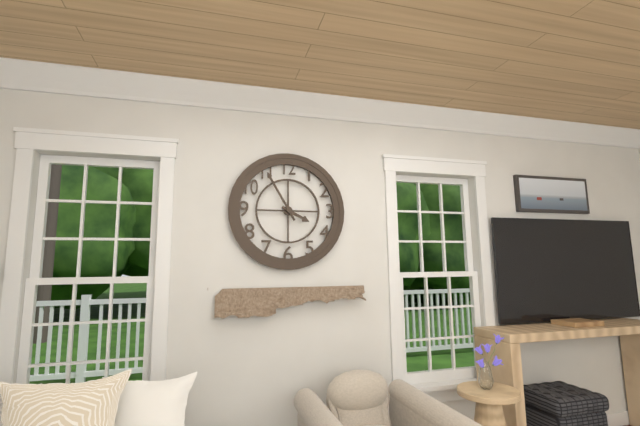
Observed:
3.55
